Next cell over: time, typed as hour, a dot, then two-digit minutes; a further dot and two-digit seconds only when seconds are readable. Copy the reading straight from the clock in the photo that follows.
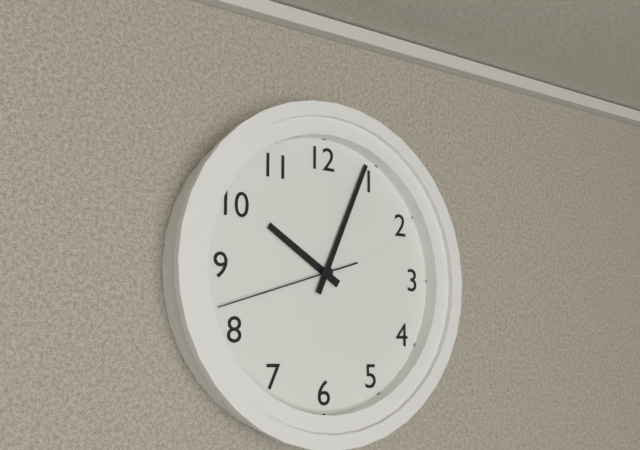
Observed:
10.04.42
